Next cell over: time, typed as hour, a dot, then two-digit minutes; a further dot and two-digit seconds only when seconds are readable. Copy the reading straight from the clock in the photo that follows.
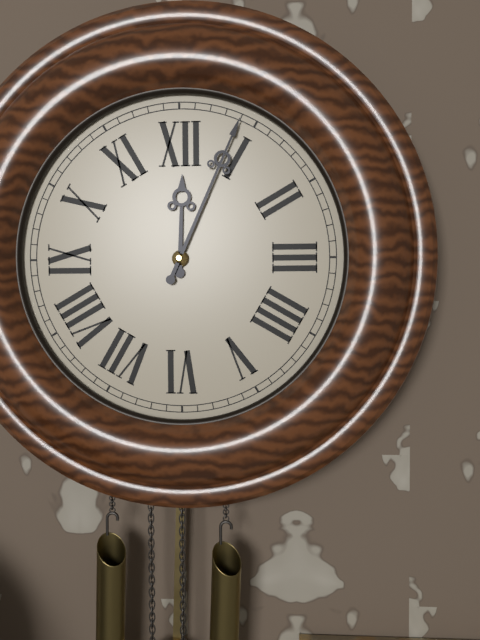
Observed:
12.04
